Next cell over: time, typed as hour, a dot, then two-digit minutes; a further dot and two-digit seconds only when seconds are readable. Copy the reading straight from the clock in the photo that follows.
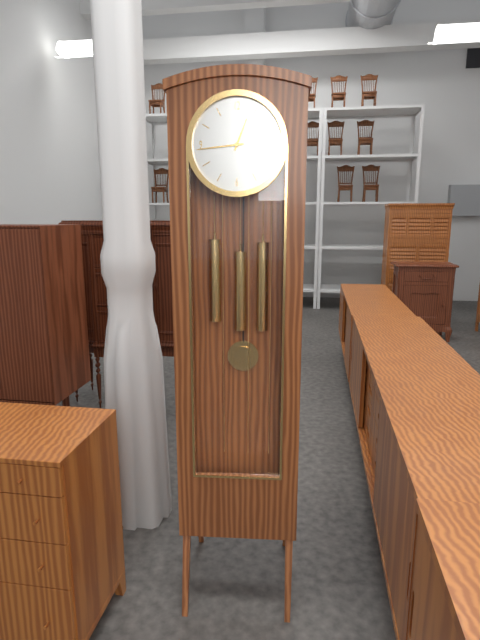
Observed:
12.44
